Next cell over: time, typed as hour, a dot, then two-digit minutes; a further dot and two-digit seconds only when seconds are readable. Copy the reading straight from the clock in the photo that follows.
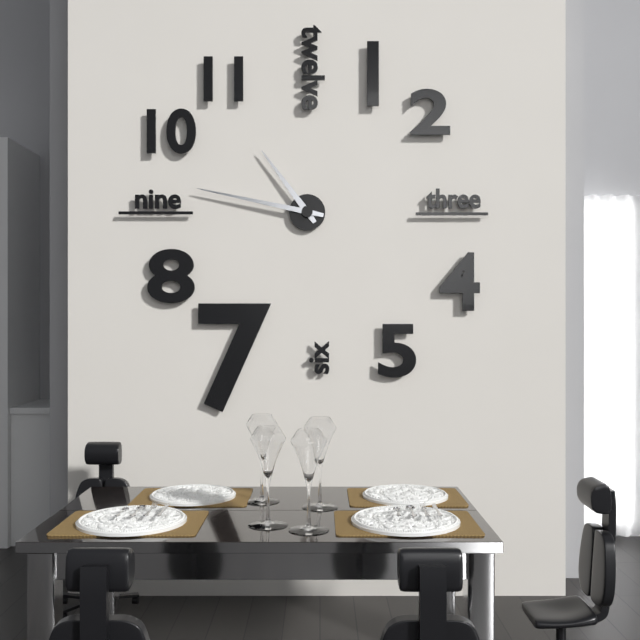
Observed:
10.47
